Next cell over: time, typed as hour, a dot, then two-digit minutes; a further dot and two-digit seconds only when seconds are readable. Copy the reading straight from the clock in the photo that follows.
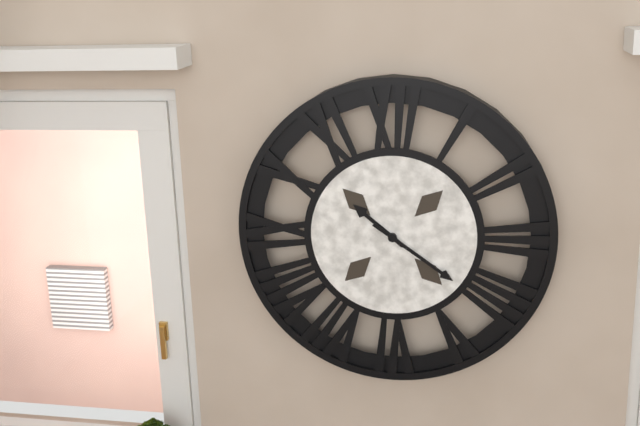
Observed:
10.21
